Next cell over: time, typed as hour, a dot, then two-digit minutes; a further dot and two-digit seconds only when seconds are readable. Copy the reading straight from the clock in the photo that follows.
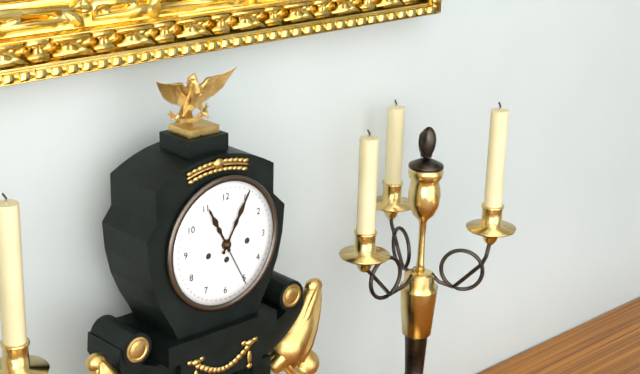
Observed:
11.05
